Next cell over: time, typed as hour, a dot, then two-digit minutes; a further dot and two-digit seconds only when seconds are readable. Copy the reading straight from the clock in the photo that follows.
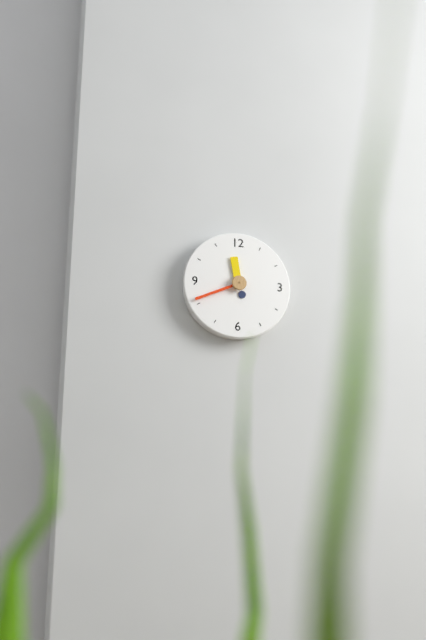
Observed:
11.41
